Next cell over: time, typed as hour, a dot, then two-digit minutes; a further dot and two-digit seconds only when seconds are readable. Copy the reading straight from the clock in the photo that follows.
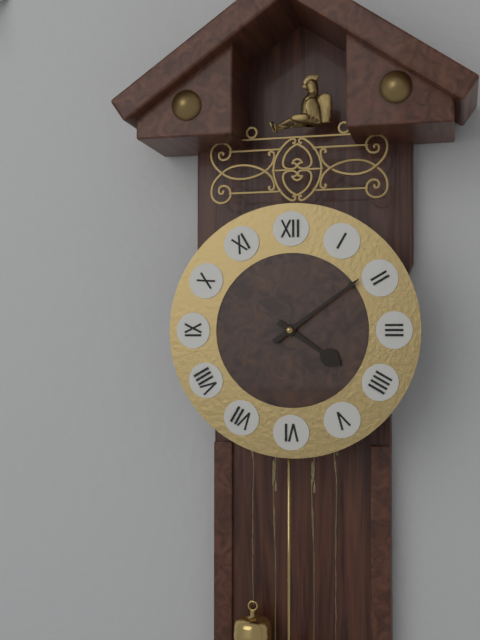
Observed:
4.09
